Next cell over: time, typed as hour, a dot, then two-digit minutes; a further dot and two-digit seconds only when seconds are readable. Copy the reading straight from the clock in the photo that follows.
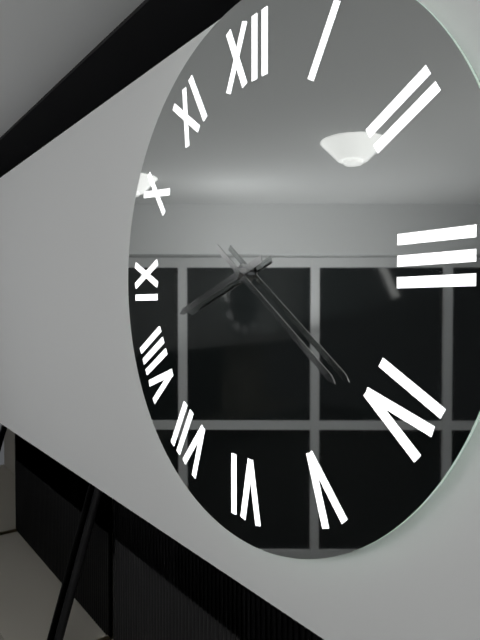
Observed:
8.21
